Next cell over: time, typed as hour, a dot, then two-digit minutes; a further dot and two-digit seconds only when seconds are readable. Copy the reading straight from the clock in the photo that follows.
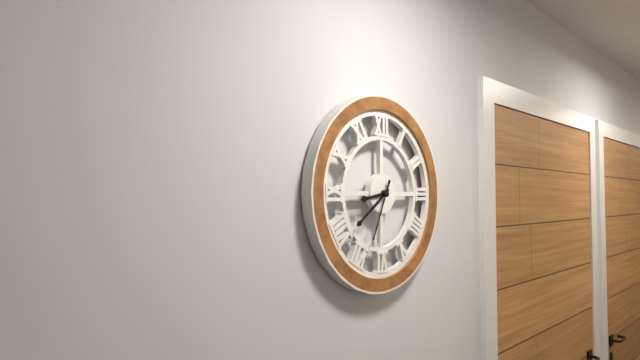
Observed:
8.39.34
